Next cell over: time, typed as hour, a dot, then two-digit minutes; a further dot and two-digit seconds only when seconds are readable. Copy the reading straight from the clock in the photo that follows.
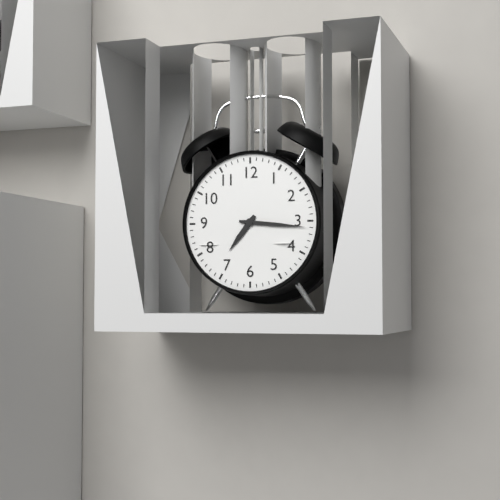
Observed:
7.16
